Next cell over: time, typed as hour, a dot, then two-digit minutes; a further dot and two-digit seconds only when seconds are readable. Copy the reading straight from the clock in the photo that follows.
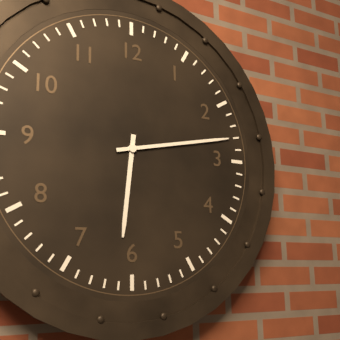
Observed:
6.13
